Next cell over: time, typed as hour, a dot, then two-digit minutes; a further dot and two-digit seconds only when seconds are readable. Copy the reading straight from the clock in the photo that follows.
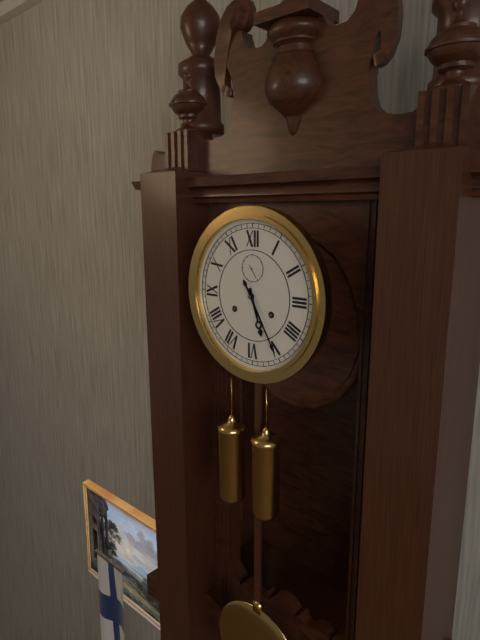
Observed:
5.25
